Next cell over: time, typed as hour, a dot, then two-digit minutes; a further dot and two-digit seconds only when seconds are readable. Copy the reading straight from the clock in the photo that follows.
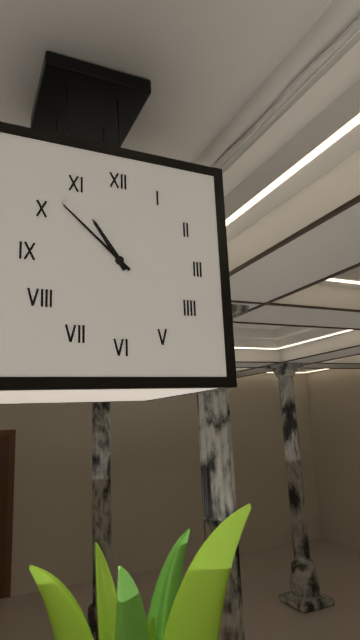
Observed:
10.52
